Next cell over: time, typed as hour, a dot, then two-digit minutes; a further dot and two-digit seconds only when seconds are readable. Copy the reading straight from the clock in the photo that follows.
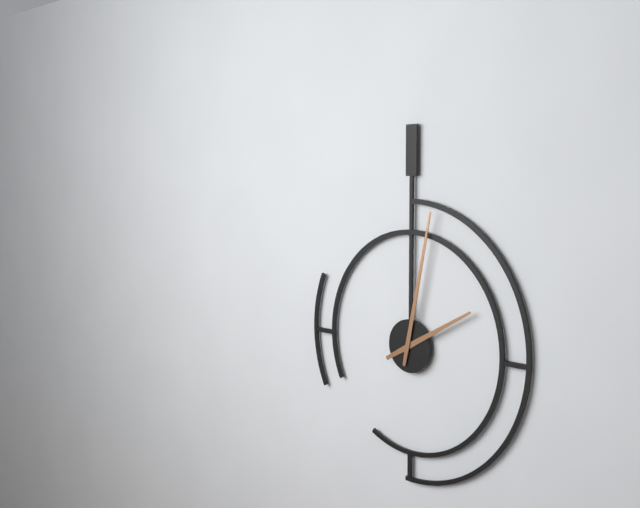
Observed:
2.02
